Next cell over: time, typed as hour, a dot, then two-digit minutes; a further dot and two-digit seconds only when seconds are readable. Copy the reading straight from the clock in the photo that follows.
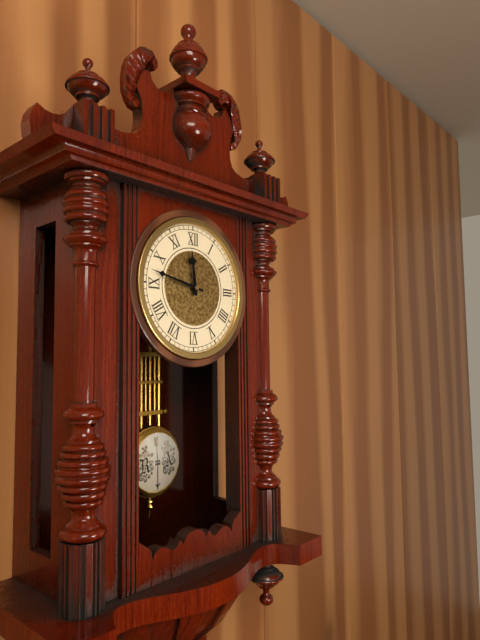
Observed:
11.47
